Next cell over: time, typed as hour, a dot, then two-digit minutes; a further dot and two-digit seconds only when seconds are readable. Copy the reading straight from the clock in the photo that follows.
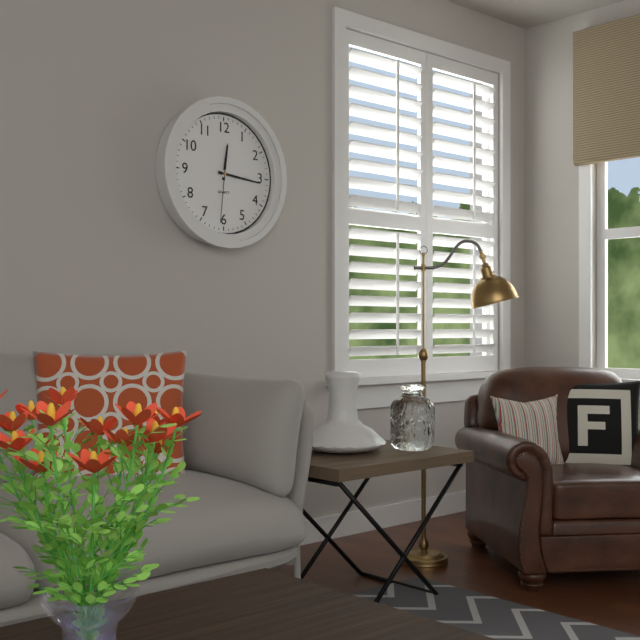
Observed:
12.16.31
